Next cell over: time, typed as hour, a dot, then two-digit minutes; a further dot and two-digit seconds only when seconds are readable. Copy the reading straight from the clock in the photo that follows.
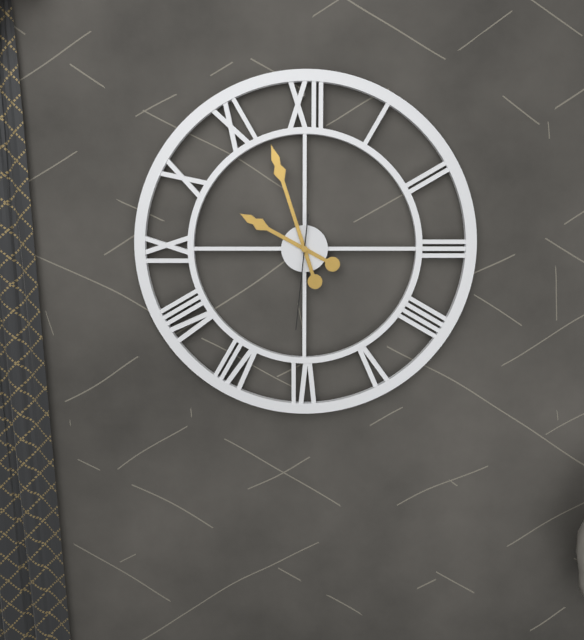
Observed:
9.57.31
